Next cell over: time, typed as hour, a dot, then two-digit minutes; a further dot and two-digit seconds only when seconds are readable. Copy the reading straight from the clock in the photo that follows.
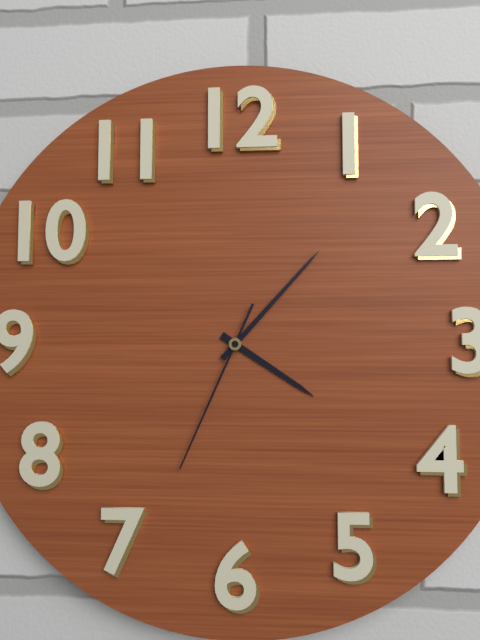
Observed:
4.07.34
